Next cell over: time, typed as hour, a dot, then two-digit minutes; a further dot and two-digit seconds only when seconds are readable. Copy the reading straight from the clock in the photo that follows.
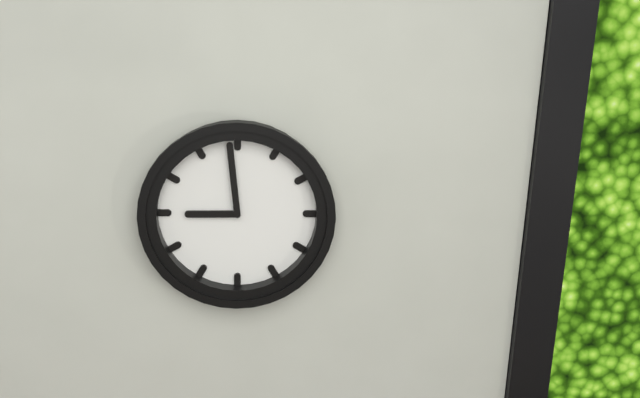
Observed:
8.59
